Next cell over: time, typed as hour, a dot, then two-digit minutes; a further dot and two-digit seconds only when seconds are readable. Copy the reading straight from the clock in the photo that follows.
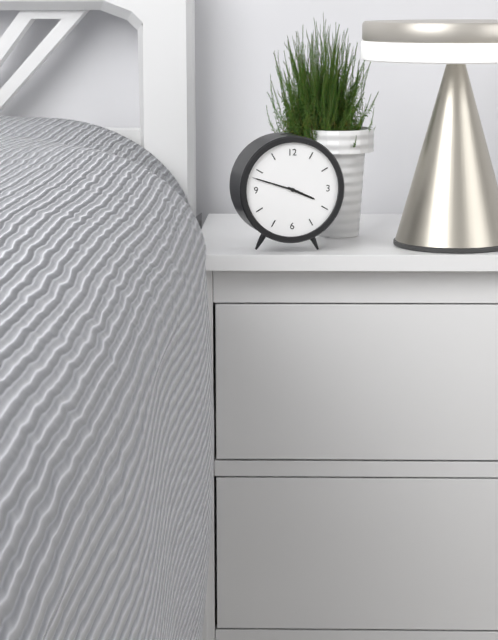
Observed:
3.48.48
